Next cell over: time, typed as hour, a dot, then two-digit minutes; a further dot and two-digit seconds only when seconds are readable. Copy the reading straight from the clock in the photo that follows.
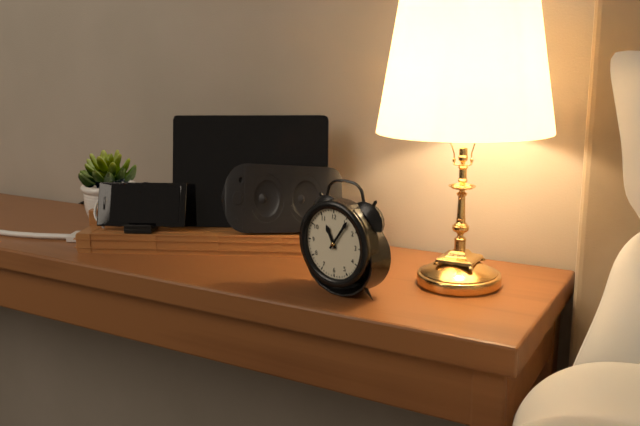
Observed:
11.06
